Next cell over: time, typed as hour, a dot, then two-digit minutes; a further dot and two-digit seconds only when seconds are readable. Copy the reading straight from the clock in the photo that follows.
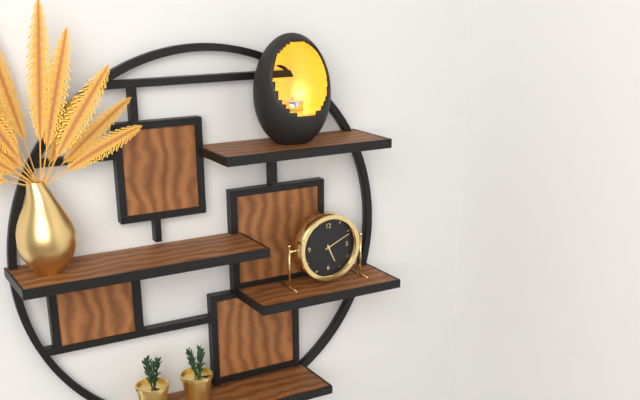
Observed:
5.11
